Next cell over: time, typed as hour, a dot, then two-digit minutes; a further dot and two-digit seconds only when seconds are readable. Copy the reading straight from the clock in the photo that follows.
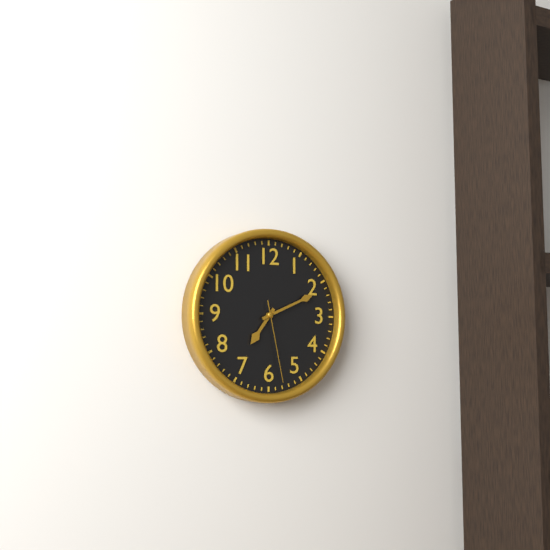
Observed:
7.11.28
